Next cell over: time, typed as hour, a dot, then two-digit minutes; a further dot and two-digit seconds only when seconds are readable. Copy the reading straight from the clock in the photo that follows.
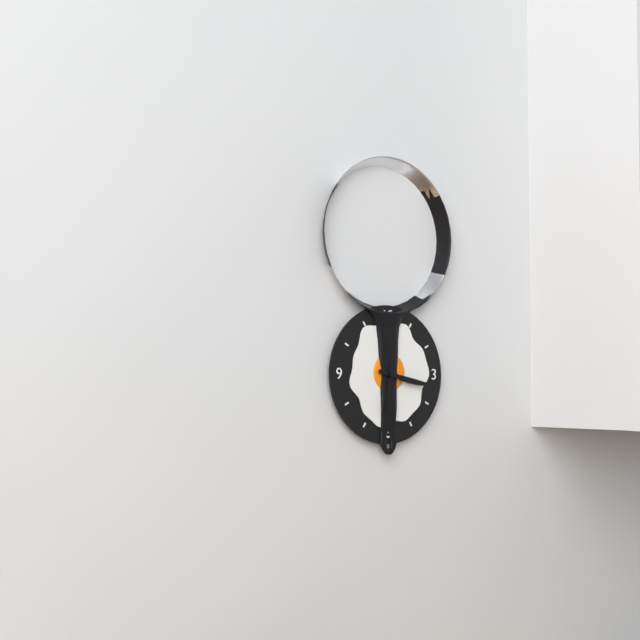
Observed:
6.17
